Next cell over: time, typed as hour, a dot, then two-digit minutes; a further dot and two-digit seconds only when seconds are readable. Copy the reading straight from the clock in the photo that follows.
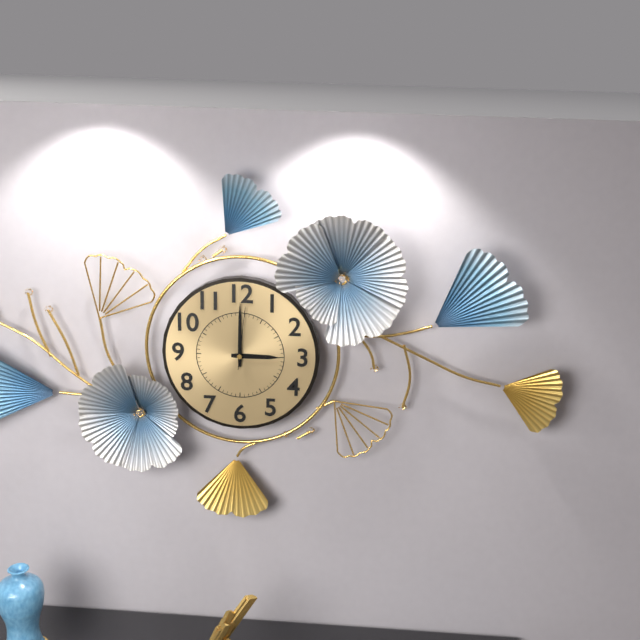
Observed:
3.00.01
